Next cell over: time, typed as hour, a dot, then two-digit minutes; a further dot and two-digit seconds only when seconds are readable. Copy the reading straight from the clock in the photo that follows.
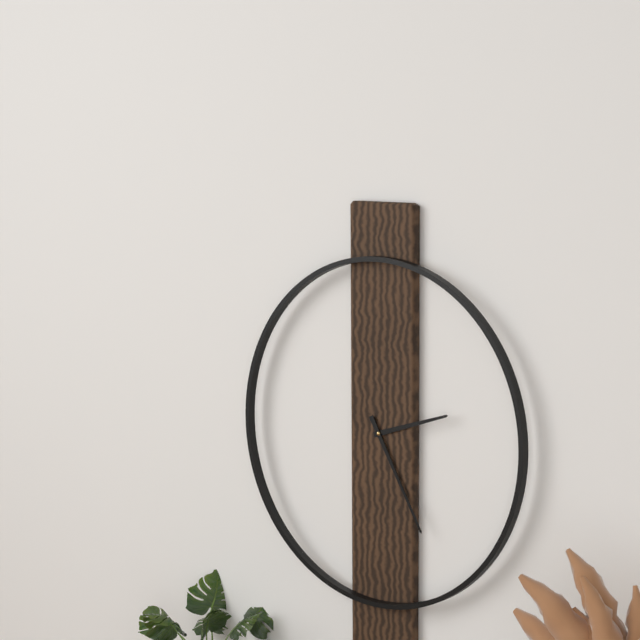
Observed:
2.25
